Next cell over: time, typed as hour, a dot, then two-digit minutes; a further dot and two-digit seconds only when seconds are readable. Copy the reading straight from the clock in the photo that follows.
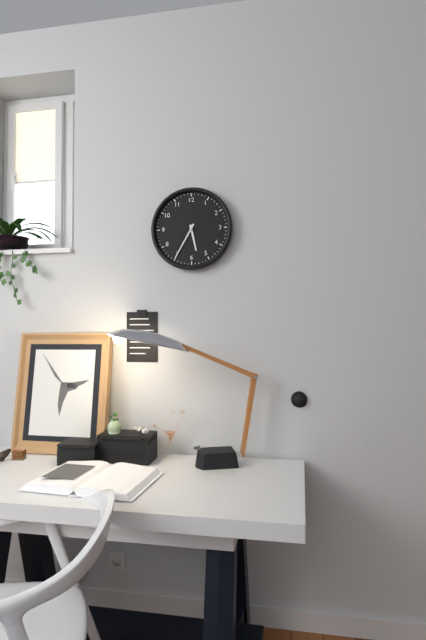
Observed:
5.35
